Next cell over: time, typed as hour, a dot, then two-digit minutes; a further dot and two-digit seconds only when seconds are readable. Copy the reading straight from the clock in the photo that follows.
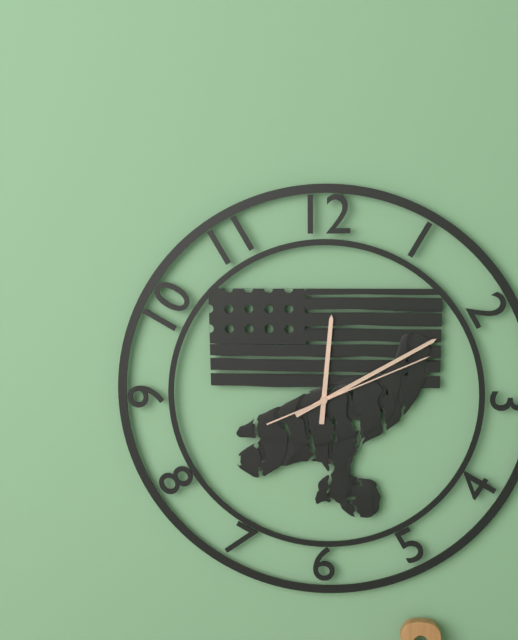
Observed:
12.10.11
